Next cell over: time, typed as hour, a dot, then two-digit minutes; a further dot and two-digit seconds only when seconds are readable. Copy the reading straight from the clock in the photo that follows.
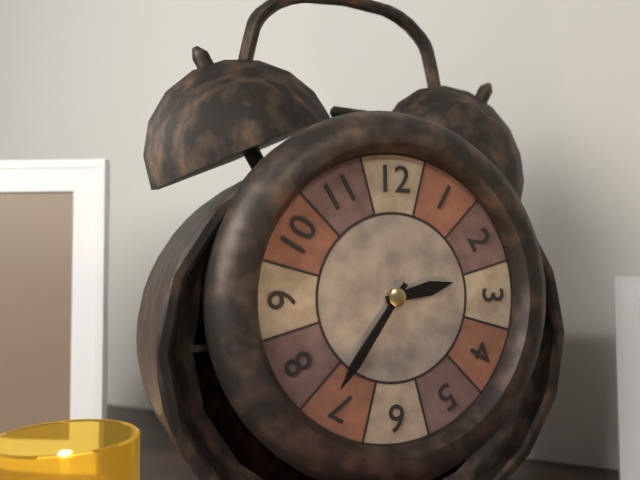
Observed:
2.36
